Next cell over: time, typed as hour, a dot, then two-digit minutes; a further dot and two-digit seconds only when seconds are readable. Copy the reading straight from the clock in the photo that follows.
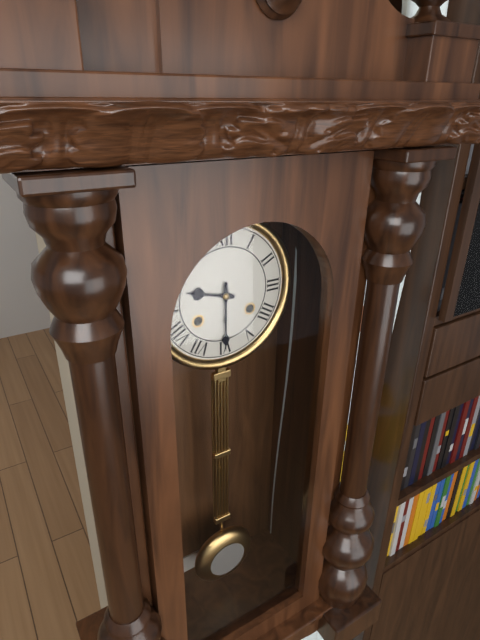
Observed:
9.30
